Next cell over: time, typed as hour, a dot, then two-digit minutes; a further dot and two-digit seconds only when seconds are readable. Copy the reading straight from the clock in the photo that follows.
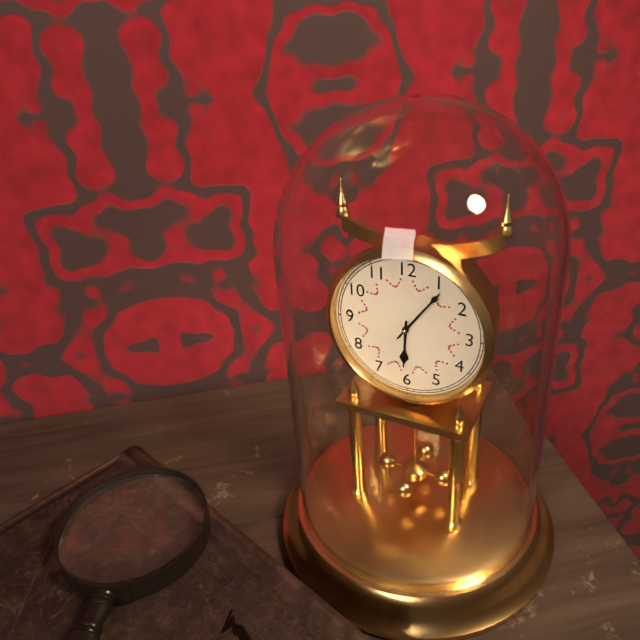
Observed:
6.06
